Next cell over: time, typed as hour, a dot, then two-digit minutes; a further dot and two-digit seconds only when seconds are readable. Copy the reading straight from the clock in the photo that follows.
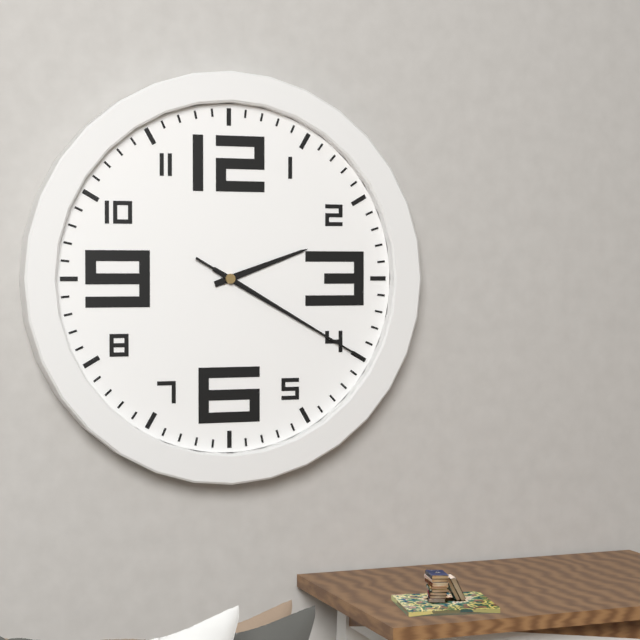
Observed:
2.20.20
